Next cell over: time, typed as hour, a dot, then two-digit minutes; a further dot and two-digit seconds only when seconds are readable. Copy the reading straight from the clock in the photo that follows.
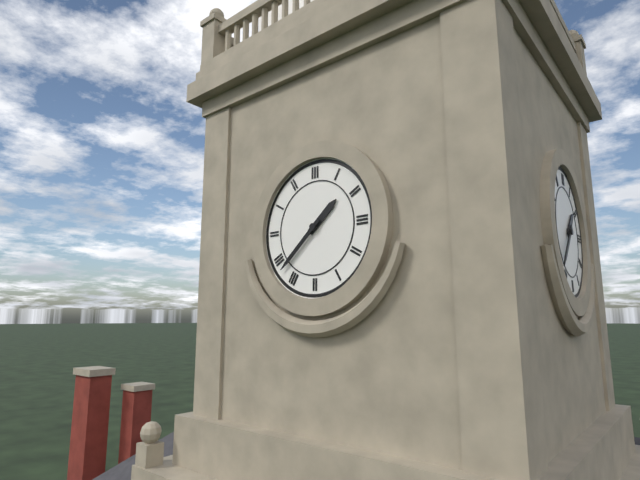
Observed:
1.38
